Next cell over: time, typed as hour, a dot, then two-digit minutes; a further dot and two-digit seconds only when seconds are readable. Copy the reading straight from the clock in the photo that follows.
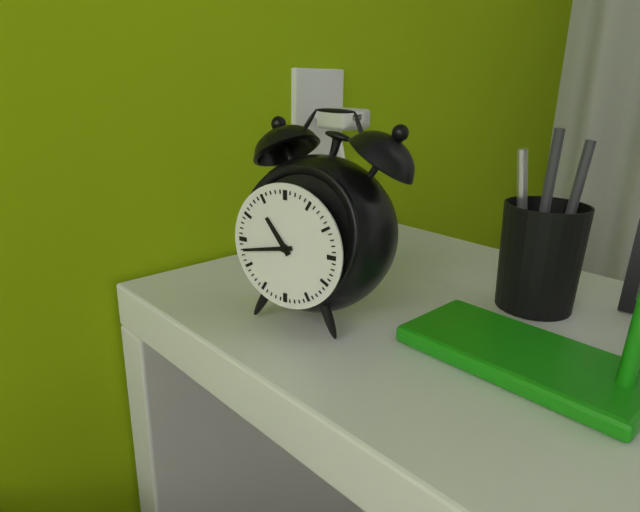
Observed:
10.43
